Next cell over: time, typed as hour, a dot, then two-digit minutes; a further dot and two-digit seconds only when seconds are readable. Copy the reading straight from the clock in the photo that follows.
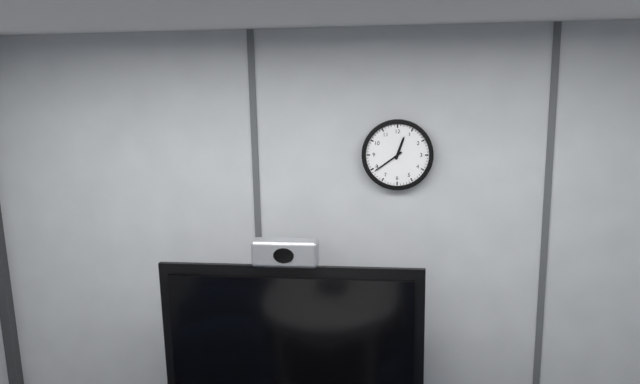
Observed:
12.39
